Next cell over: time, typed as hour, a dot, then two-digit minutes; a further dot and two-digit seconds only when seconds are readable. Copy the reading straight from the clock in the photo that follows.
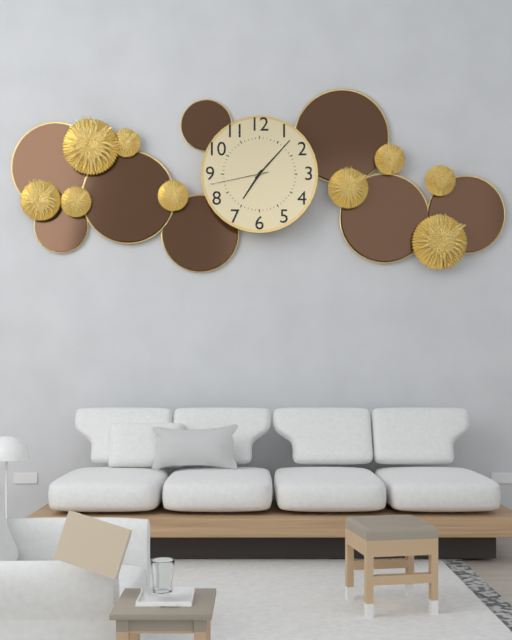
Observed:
7.07.43
